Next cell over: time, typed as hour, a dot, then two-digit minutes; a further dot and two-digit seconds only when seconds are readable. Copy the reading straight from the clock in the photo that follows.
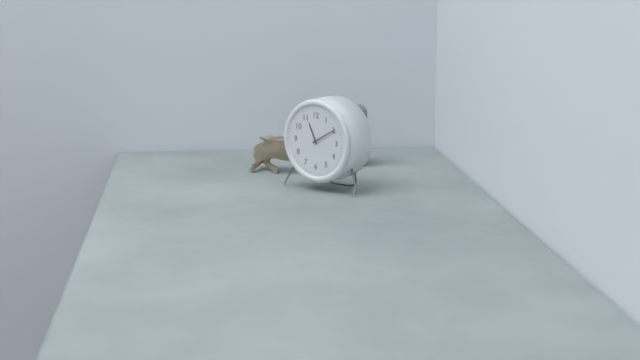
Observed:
11.10
